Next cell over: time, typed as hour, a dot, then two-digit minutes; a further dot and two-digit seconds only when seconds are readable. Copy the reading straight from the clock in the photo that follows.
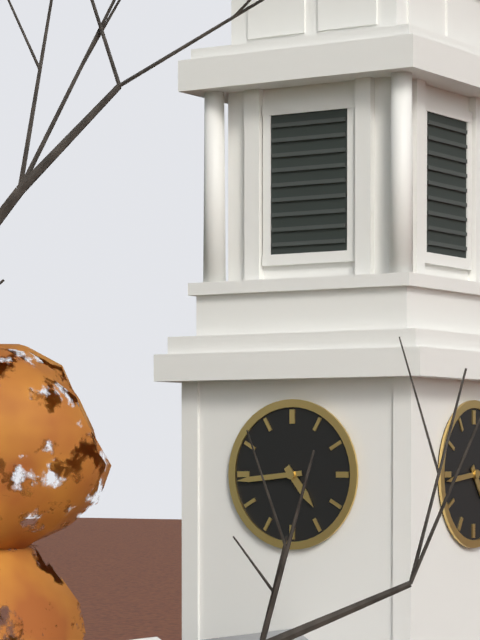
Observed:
4.44
